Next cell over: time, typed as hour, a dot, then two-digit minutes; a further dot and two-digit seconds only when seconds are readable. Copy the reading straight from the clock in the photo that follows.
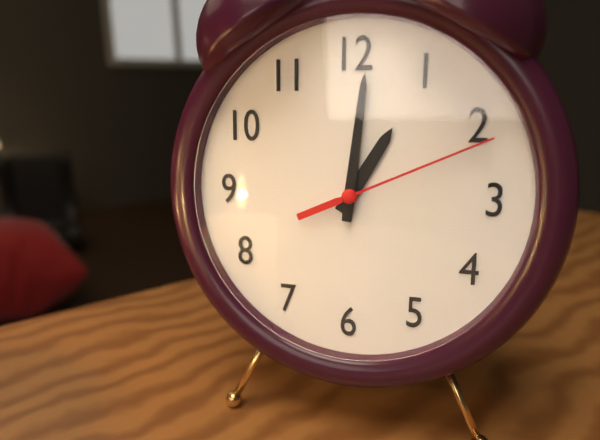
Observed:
1.01.11
